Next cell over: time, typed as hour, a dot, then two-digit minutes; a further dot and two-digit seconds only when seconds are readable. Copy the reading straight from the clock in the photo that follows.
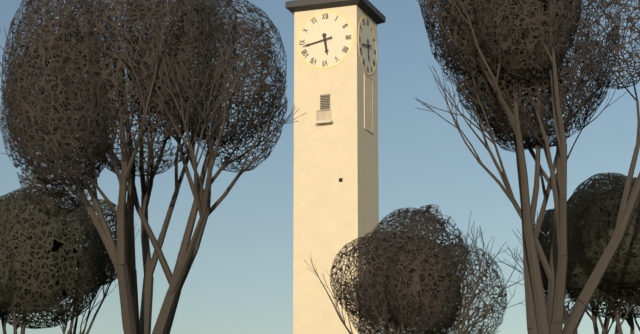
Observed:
5.43
